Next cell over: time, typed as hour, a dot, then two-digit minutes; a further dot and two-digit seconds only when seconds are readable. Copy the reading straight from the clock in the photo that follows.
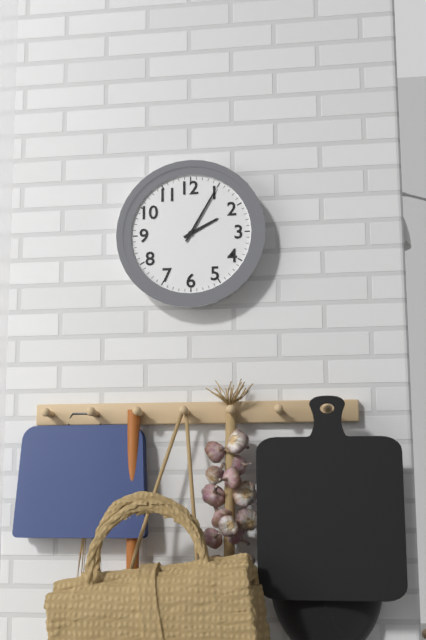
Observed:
2.05
